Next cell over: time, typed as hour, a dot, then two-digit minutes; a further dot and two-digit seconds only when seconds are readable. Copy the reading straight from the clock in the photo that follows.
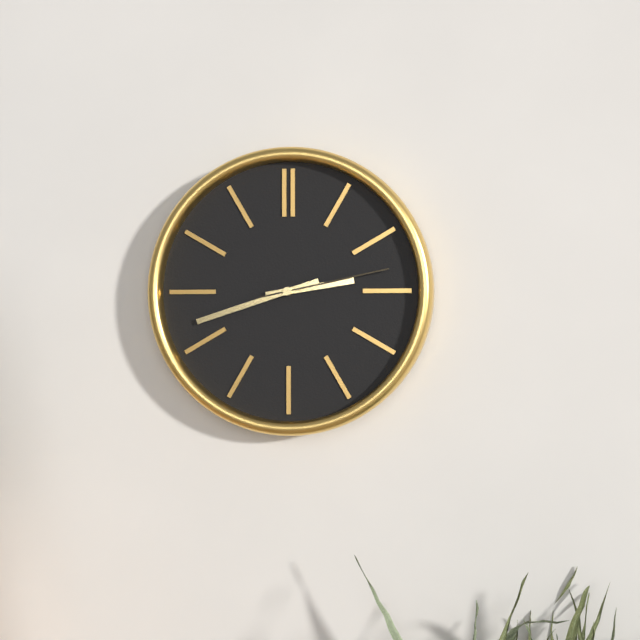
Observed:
2.42.13
